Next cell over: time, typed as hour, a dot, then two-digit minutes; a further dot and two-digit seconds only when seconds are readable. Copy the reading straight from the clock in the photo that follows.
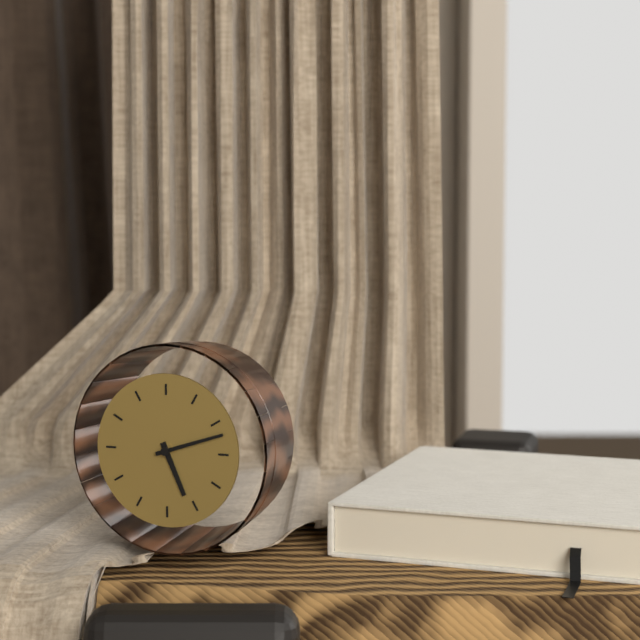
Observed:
5.12
